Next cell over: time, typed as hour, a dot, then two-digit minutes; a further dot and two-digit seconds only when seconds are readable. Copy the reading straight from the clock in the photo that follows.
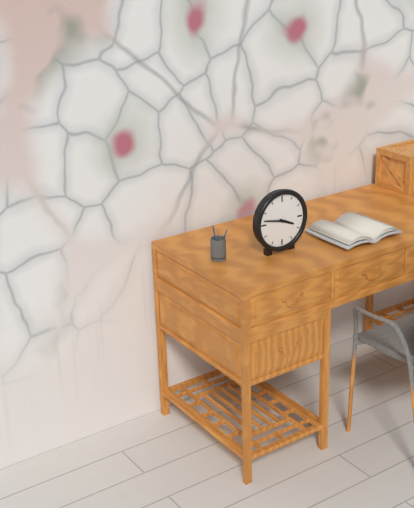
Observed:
3.47
